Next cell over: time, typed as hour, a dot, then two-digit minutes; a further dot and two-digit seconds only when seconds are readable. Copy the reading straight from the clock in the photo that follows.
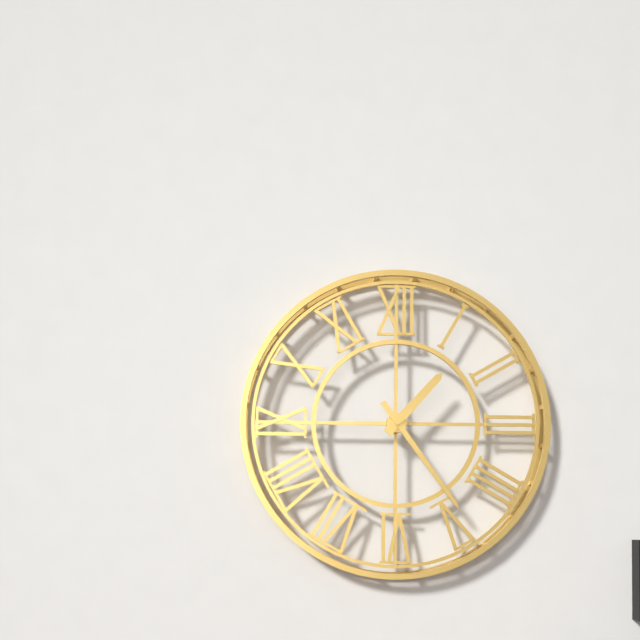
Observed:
1.24
